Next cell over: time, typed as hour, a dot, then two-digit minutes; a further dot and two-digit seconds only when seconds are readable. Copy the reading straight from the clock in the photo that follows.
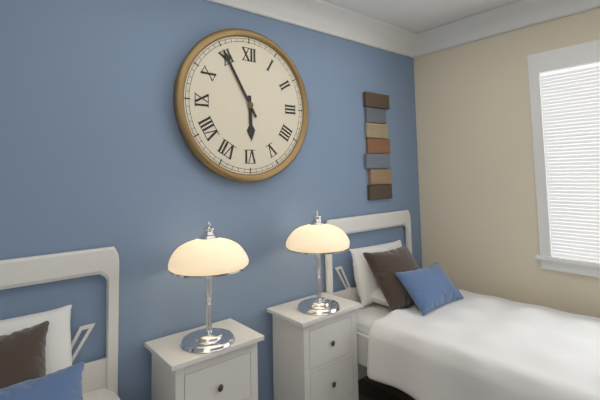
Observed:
5.55
